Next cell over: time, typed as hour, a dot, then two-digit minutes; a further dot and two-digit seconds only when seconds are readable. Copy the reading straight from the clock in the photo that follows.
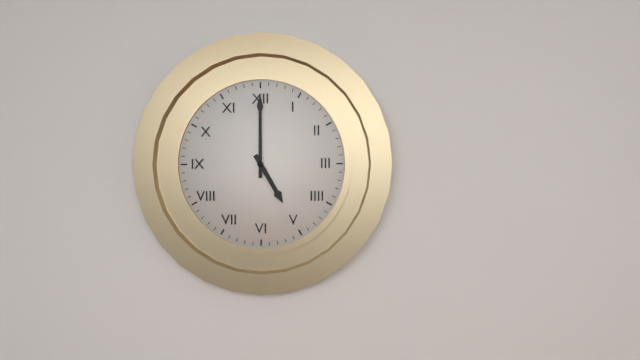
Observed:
5.00
